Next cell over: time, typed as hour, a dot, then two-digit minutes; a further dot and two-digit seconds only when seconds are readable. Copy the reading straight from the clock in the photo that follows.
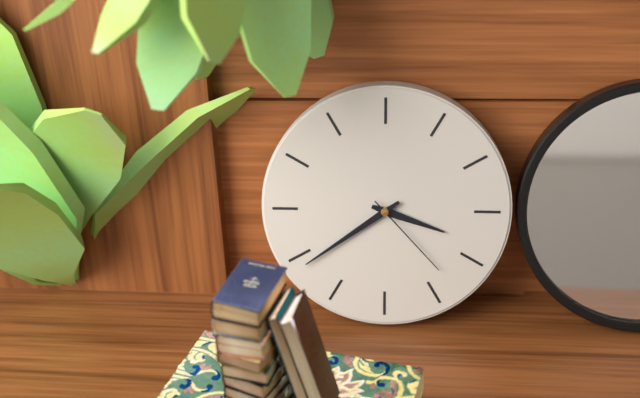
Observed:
3.39.23
